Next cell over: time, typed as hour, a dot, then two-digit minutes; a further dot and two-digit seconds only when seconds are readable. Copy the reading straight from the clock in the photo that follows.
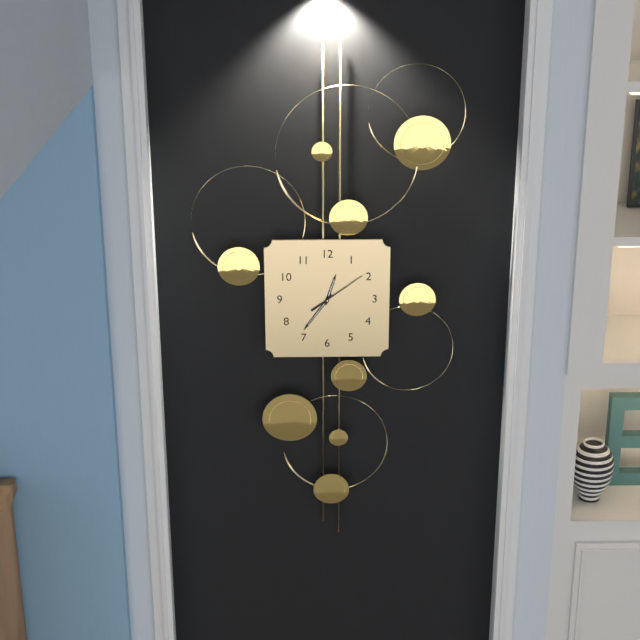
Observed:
12.36.09
